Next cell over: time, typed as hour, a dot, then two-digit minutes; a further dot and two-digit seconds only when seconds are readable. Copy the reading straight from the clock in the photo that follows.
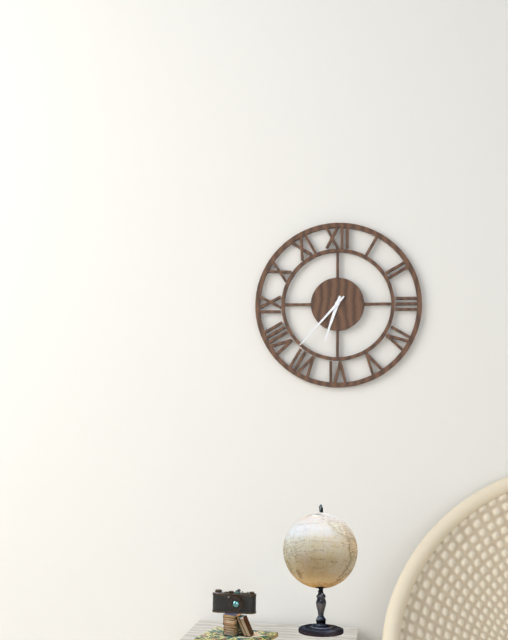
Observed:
6.37
